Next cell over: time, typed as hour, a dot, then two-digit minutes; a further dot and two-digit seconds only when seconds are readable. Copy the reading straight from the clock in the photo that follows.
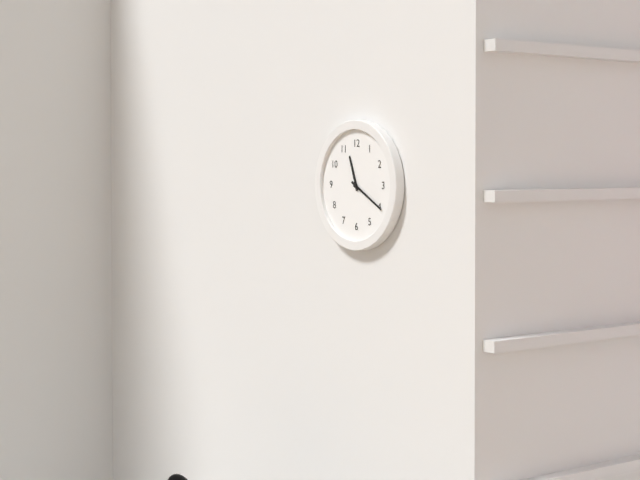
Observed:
11.20
